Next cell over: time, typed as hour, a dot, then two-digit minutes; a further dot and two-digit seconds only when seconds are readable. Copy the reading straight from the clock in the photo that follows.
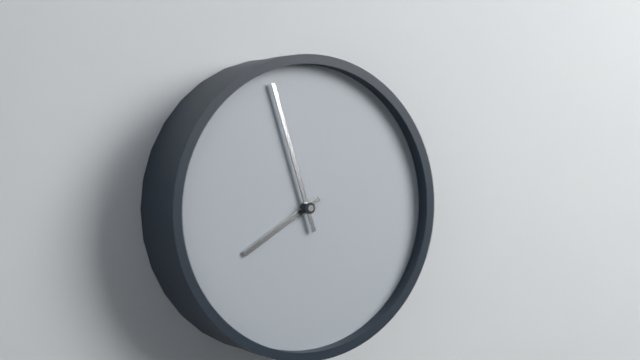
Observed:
7.57
